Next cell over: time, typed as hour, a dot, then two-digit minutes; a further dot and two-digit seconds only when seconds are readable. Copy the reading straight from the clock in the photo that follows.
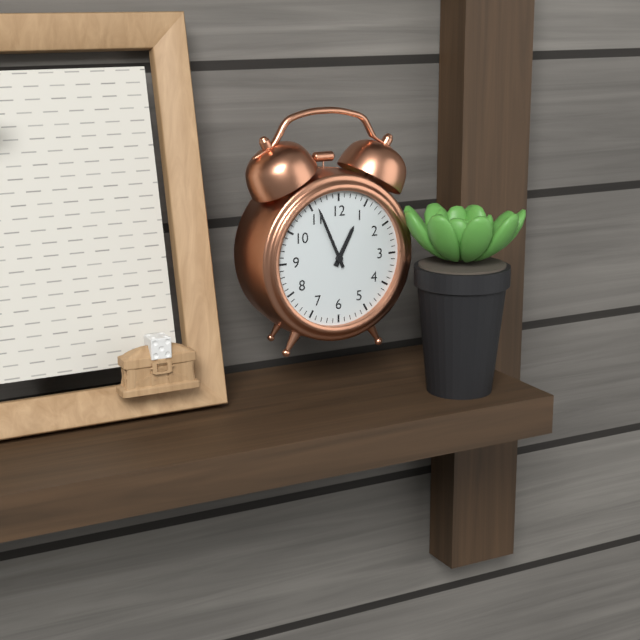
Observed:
12.56
